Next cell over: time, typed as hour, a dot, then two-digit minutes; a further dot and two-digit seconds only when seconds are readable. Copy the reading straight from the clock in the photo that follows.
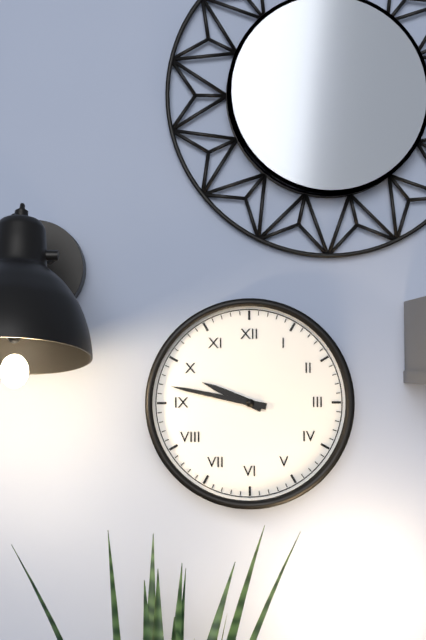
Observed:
9.47
